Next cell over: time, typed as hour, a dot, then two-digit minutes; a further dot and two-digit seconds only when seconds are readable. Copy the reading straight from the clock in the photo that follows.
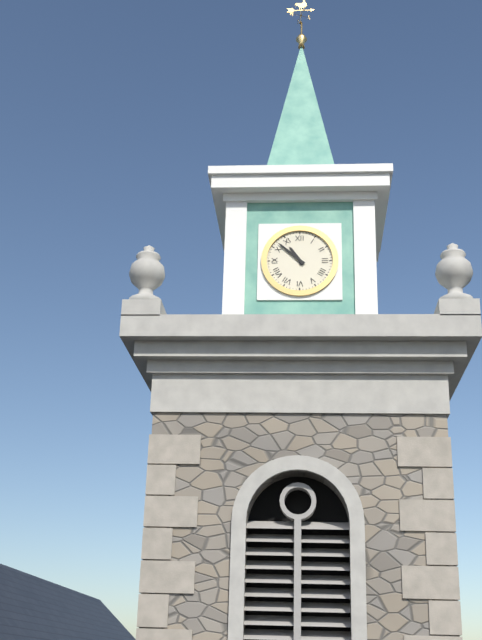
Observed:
10.52
